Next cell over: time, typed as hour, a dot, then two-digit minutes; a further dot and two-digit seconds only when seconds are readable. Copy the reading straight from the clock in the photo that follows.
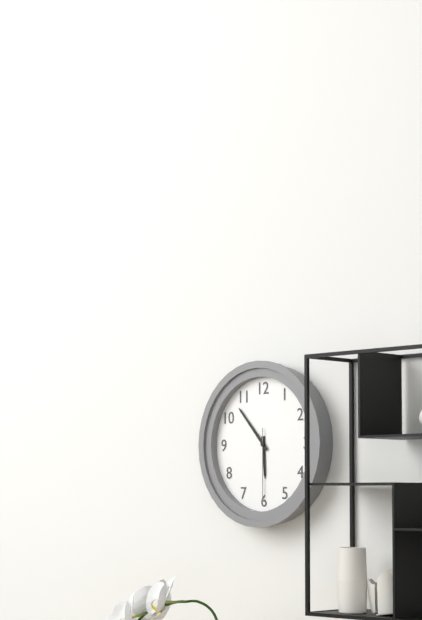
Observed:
5.53.30
